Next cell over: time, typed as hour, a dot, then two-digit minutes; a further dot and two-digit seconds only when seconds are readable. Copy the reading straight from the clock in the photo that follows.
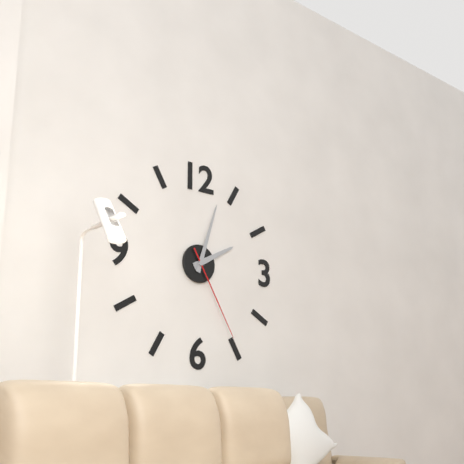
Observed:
2.03.25
